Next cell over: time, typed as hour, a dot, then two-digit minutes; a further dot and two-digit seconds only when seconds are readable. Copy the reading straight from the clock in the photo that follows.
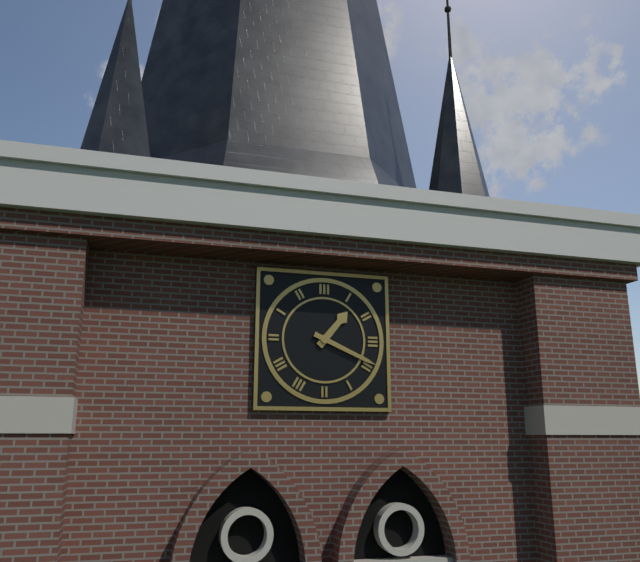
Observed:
1.19
